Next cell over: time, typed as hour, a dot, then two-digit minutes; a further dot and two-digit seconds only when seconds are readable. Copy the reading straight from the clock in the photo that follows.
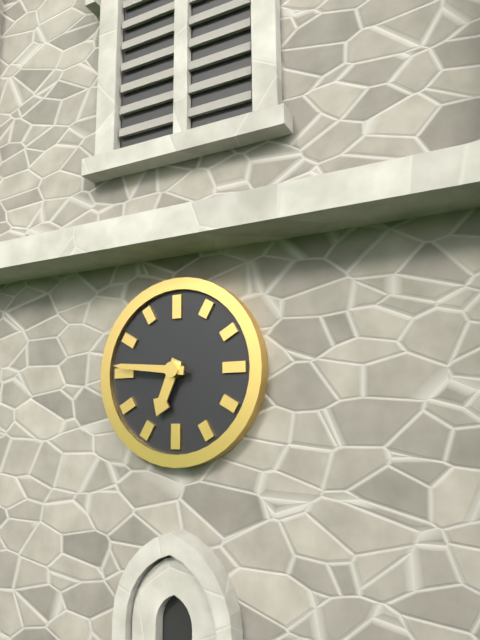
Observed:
6.46
